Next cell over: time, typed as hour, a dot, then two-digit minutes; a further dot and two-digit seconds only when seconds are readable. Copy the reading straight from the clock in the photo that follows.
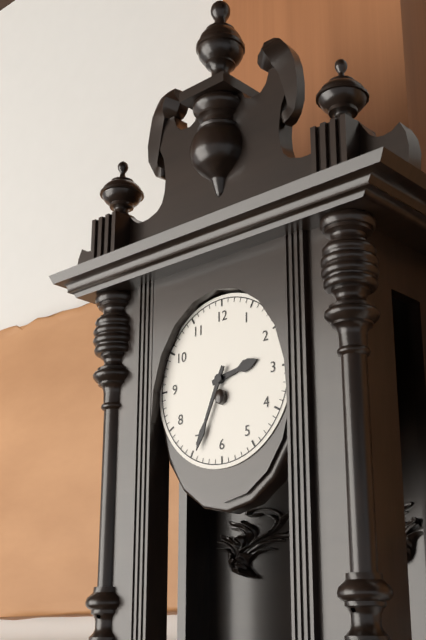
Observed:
2.34
